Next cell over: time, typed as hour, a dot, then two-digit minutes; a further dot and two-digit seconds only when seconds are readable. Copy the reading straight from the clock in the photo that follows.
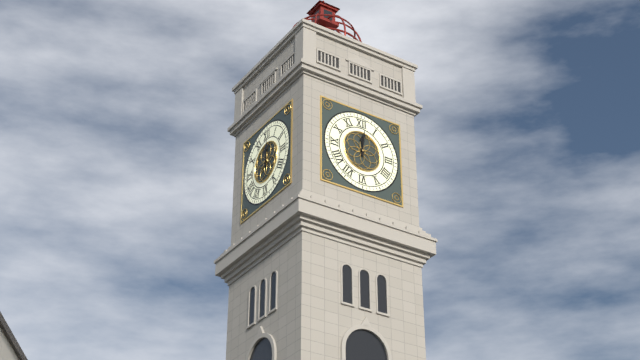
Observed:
12.01
